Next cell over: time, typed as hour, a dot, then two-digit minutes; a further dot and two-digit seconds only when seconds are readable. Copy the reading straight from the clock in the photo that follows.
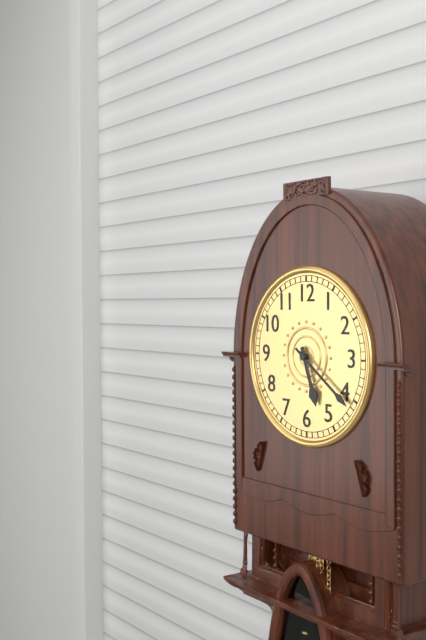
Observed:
5.21
